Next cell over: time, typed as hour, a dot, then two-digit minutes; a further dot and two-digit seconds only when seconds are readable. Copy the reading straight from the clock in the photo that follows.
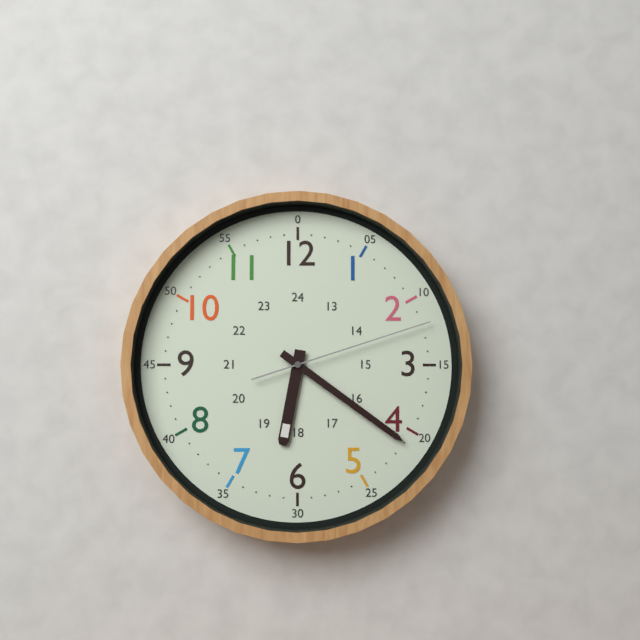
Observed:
6.21.12
